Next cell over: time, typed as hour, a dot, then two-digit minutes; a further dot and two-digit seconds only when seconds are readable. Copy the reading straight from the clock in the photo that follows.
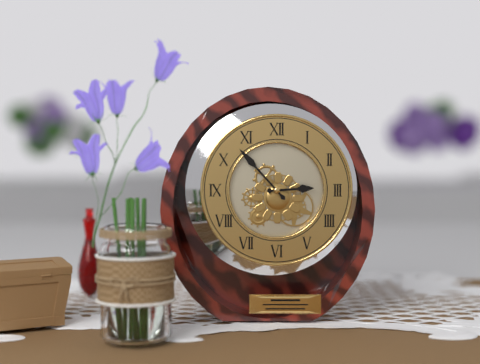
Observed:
2.53
